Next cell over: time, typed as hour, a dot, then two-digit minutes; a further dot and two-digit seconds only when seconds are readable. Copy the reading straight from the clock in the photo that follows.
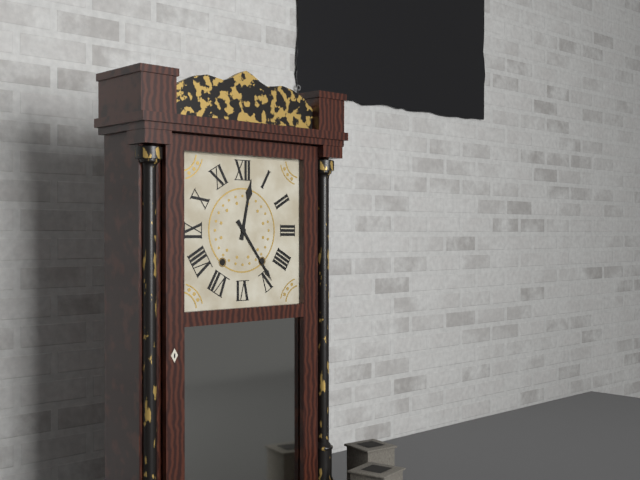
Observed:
12.24
